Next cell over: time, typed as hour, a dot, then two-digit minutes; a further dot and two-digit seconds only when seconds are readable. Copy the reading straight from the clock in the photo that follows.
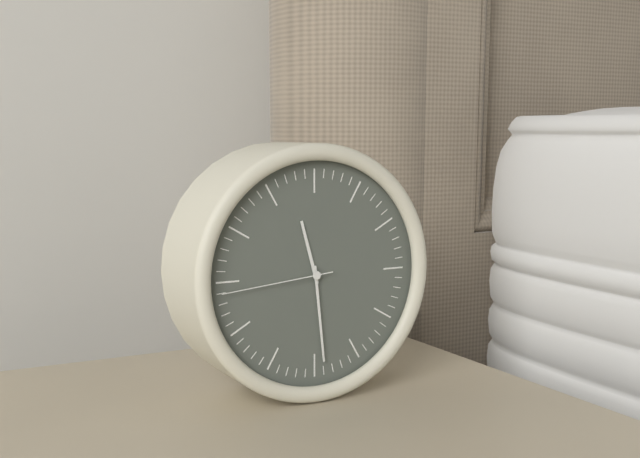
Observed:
11.29.44
